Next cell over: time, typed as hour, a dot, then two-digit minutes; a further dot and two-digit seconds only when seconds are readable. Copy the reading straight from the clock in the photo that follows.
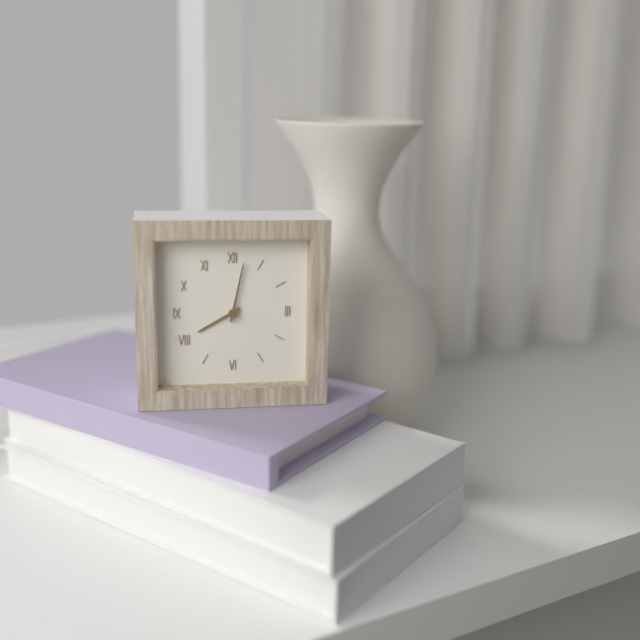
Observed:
8.02
